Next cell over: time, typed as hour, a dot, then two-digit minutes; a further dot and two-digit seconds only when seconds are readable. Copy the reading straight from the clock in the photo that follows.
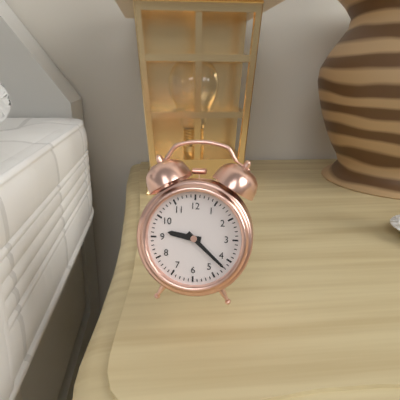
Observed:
9.22
